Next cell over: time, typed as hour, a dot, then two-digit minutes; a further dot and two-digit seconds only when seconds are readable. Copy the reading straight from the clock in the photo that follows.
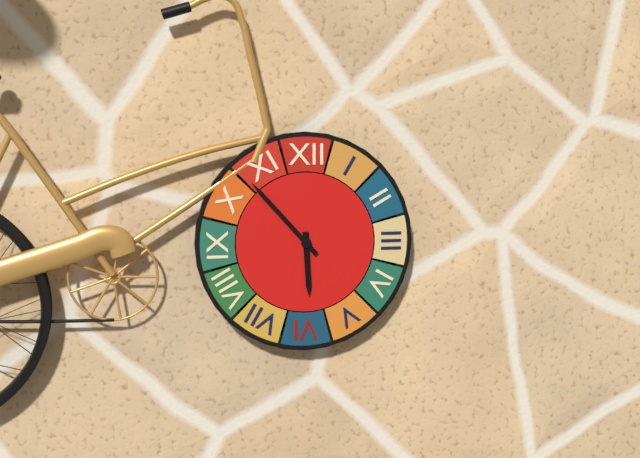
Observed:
5.53
